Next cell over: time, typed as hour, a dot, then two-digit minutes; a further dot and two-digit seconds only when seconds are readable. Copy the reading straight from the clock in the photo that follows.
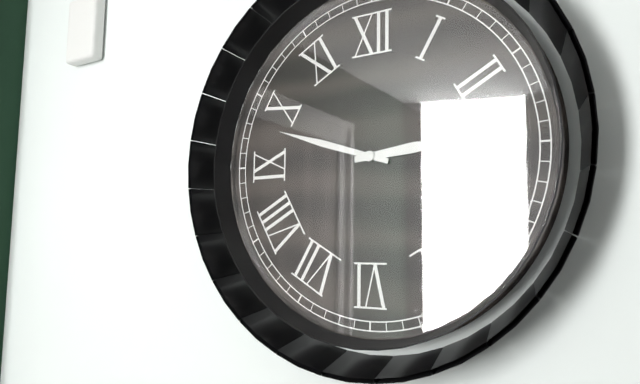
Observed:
2.48
